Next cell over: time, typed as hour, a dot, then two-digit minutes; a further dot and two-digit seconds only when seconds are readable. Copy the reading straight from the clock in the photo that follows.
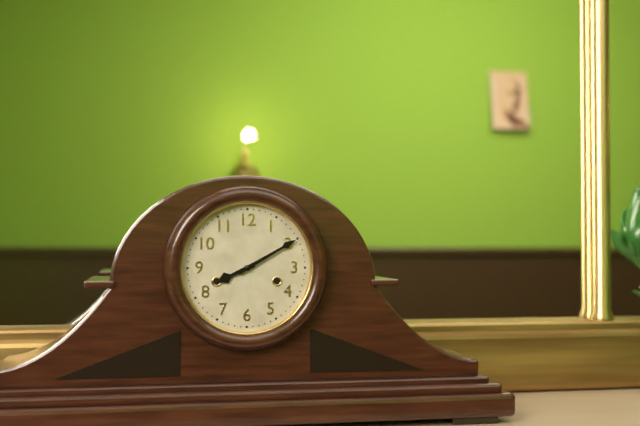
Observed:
8.10
